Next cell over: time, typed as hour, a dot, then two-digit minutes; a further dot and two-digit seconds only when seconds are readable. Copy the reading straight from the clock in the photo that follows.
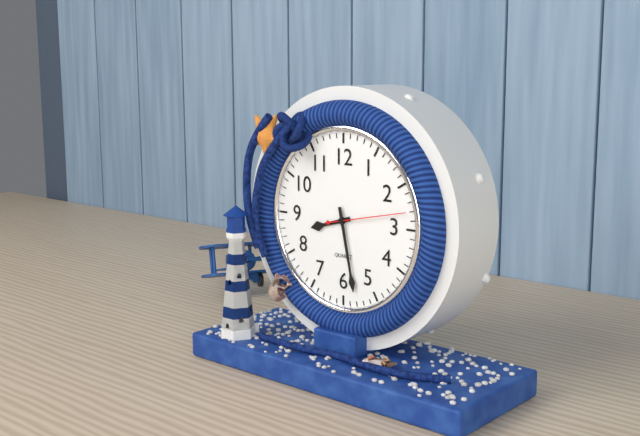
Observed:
8.28.13
